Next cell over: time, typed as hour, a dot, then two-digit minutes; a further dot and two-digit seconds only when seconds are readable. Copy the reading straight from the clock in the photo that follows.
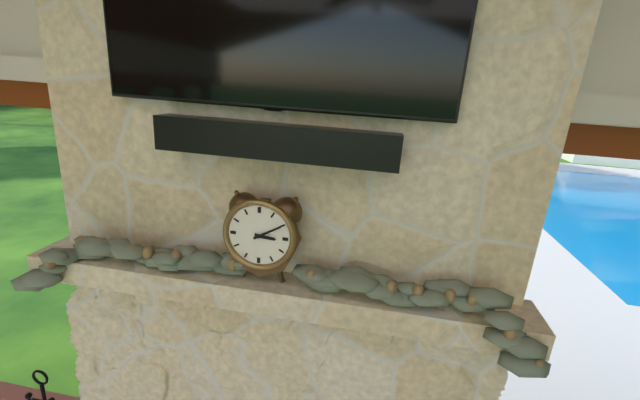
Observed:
3.10
